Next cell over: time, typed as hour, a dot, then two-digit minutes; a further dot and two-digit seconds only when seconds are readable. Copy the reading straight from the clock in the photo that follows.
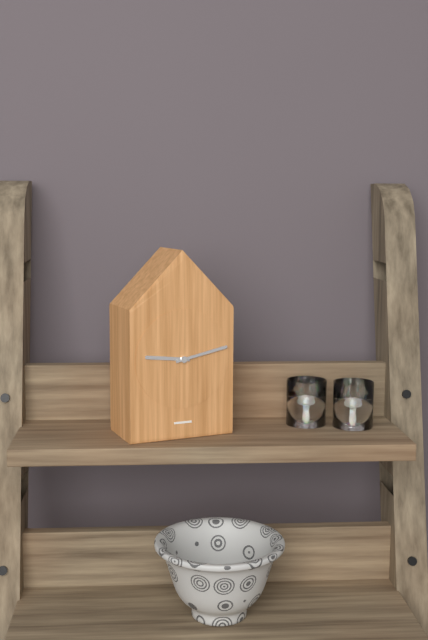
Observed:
9.13
